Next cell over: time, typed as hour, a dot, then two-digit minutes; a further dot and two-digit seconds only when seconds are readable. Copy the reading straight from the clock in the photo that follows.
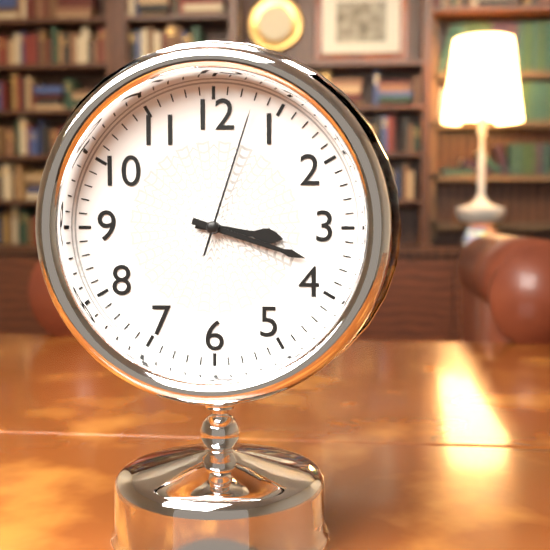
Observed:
3.18.03
